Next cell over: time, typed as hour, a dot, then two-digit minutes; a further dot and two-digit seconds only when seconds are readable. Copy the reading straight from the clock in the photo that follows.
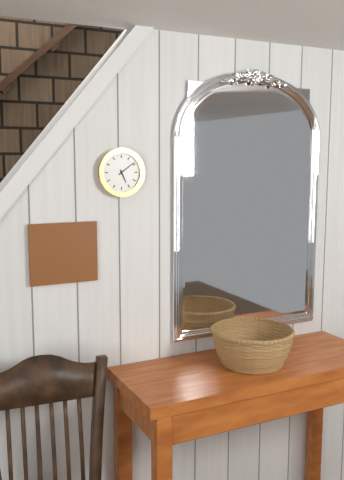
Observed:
5.09
